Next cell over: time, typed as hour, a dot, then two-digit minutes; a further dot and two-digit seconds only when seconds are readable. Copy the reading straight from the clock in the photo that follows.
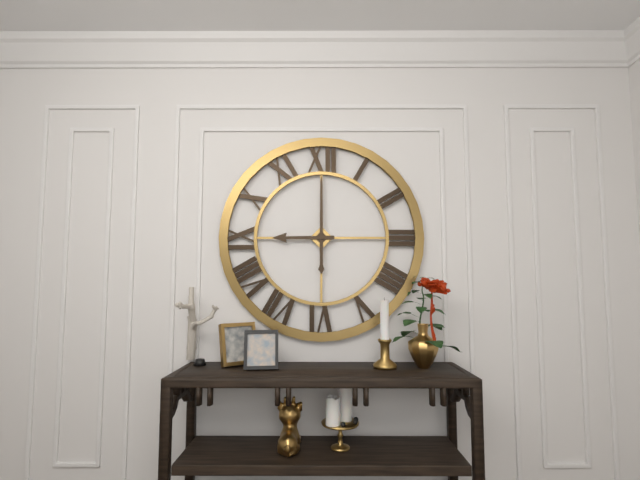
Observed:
9.00
